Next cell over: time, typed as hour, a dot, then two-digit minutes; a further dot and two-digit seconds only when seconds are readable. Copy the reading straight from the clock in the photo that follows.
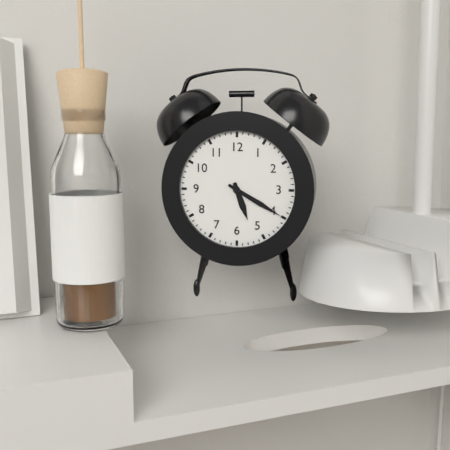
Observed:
5.20
